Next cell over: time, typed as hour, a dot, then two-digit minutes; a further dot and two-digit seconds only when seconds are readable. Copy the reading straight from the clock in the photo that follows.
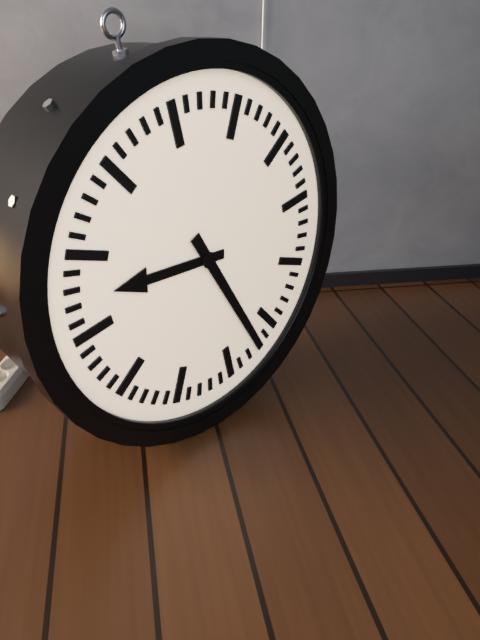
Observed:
9.27
